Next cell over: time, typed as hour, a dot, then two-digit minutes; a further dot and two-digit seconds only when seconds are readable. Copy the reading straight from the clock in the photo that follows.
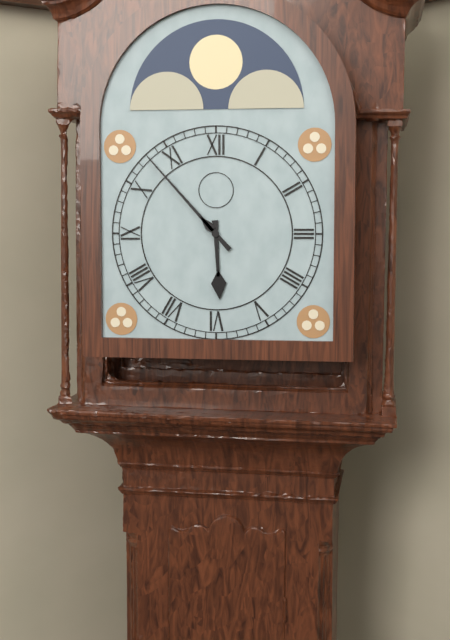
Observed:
5.53
